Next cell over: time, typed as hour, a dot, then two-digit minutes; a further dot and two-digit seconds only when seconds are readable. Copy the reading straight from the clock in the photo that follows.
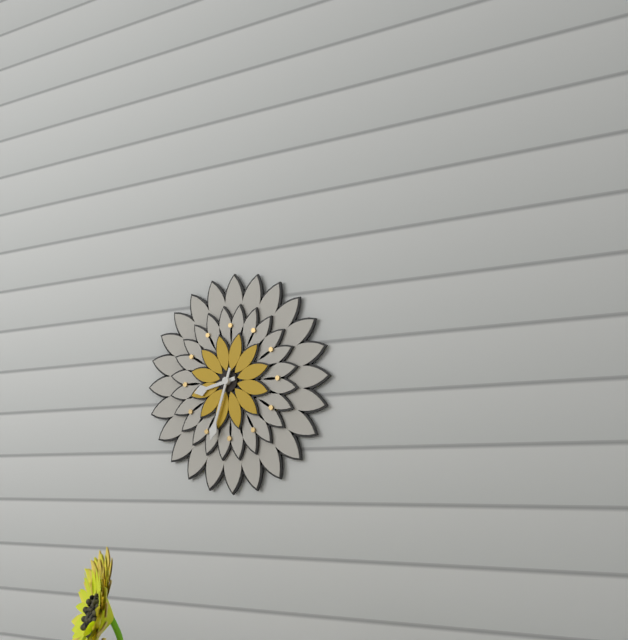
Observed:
8.33
